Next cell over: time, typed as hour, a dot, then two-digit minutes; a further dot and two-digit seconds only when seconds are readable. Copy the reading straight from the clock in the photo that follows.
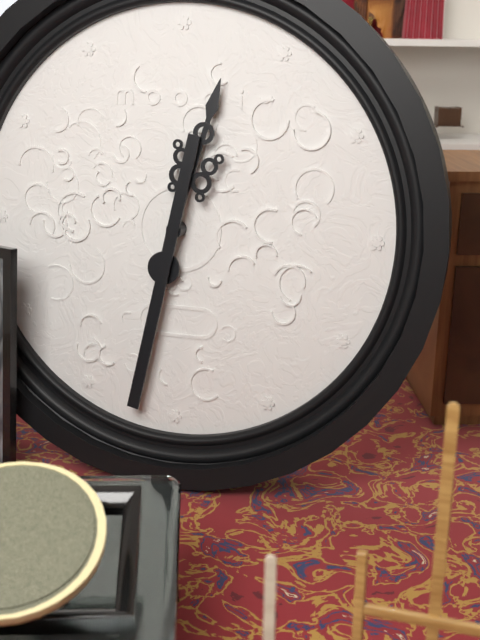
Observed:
12.32
